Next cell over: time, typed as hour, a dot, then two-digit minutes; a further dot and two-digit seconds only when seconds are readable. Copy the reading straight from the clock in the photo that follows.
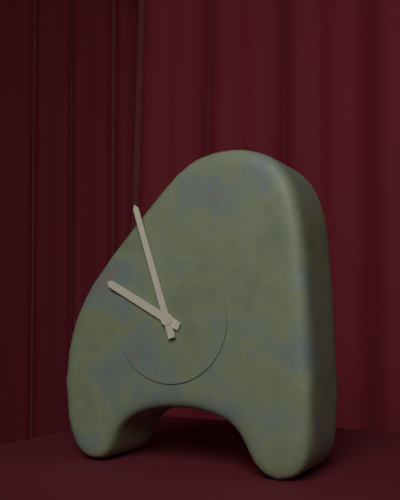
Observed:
9.57
